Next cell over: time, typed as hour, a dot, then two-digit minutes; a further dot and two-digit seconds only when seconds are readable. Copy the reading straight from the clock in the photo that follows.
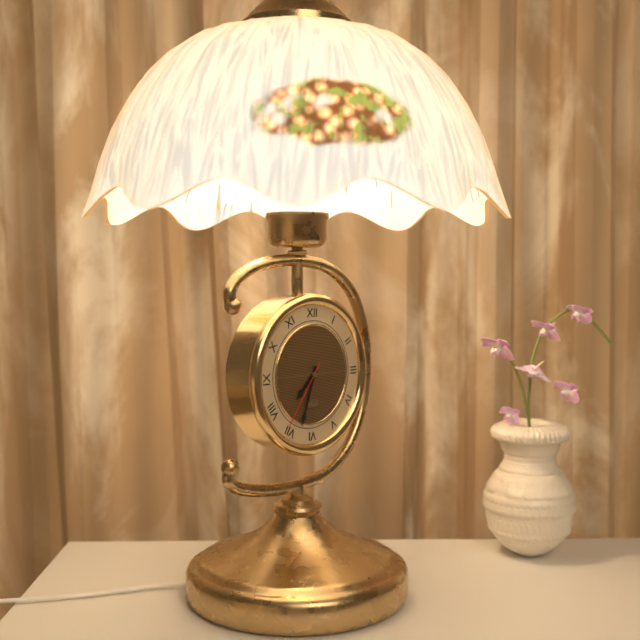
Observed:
7.33.36
